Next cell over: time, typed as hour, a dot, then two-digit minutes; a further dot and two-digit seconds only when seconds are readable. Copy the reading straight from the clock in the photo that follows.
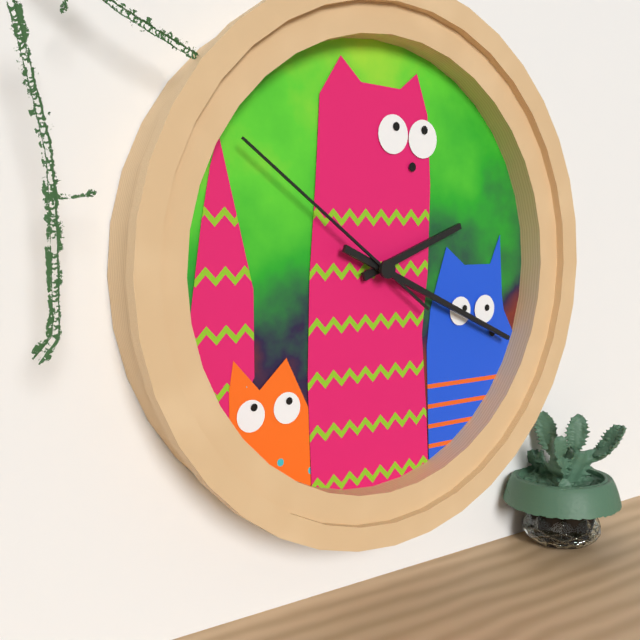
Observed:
2.19.51
